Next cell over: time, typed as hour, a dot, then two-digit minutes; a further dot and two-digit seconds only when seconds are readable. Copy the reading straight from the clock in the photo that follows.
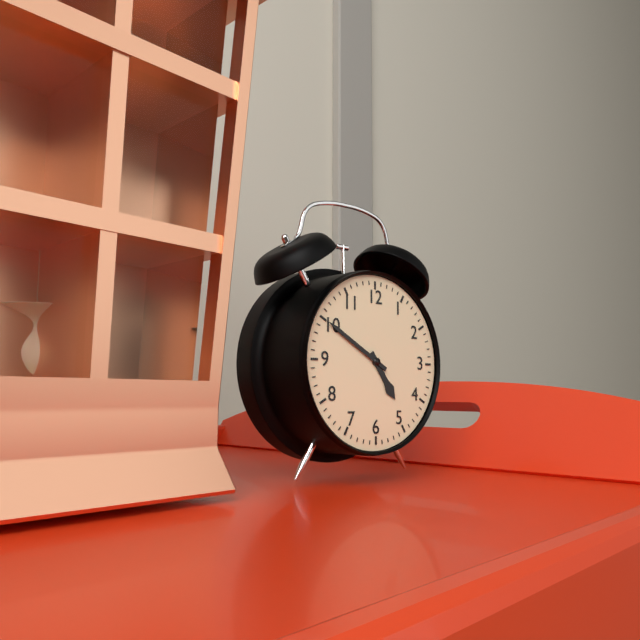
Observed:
4.50
